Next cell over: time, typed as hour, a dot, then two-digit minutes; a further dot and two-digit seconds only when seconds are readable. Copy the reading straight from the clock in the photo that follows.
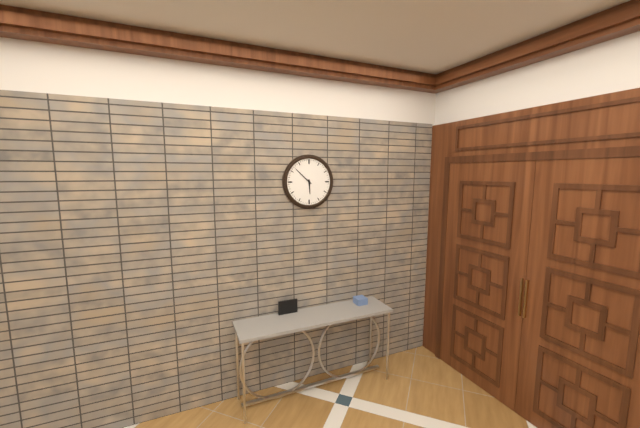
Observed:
5.52
